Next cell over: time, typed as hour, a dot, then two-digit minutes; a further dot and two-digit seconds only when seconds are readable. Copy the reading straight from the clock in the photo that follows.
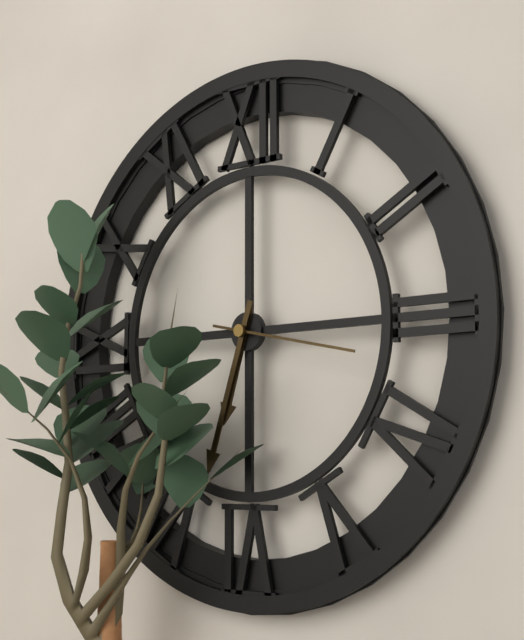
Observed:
6.33.17
